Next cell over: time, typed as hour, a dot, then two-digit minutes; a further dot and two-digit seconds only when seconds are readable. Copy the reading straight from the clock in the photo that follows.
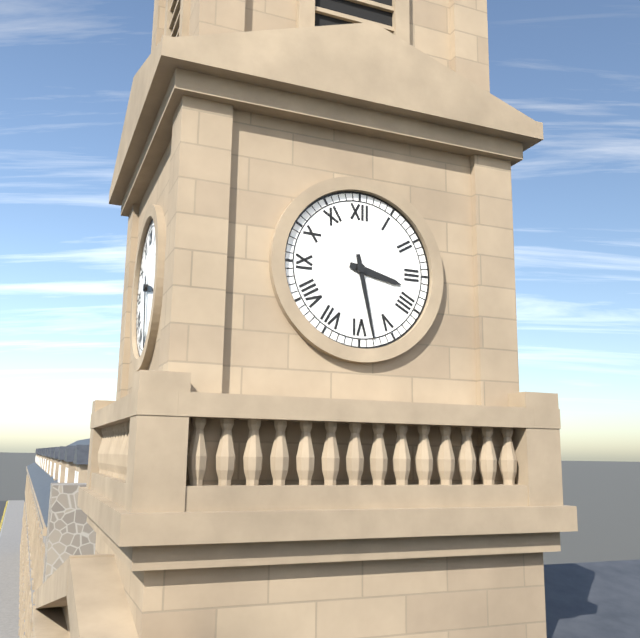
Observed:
3.28
